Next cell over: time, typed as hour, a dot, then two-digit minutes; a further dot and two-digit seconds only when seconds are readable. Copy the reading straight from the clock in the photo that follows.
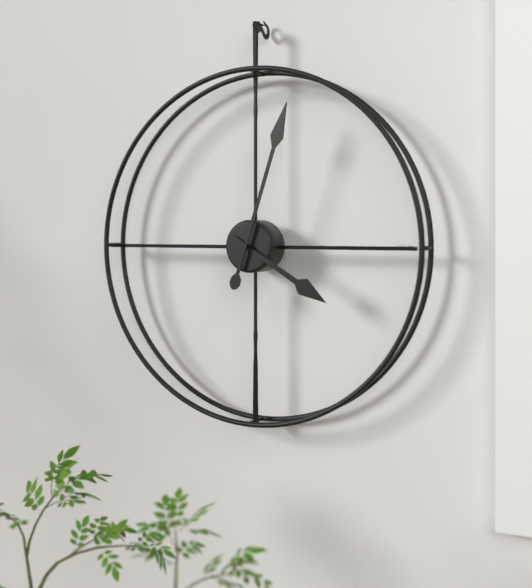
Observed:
4.03
